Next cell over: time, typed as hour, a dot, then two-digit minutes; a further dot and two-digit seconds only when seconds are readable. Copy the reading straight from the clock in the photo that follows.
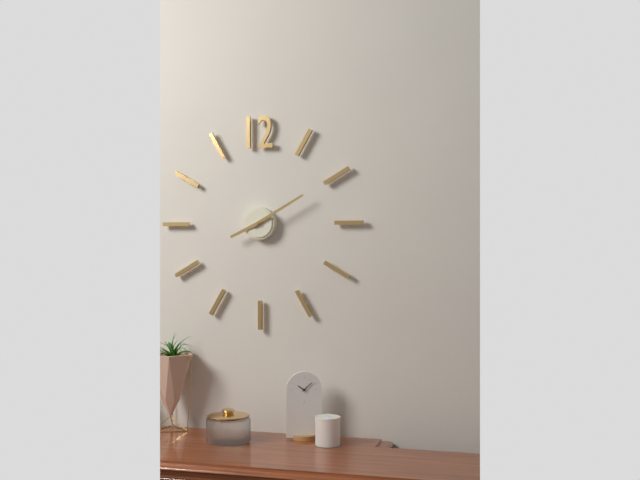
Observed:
8.10
